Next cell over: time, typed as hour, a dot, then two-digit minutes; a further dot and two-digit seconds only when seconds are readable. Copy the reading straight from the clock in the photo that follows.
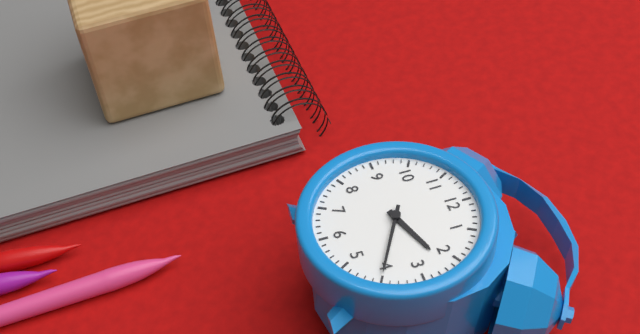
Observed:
2.20
